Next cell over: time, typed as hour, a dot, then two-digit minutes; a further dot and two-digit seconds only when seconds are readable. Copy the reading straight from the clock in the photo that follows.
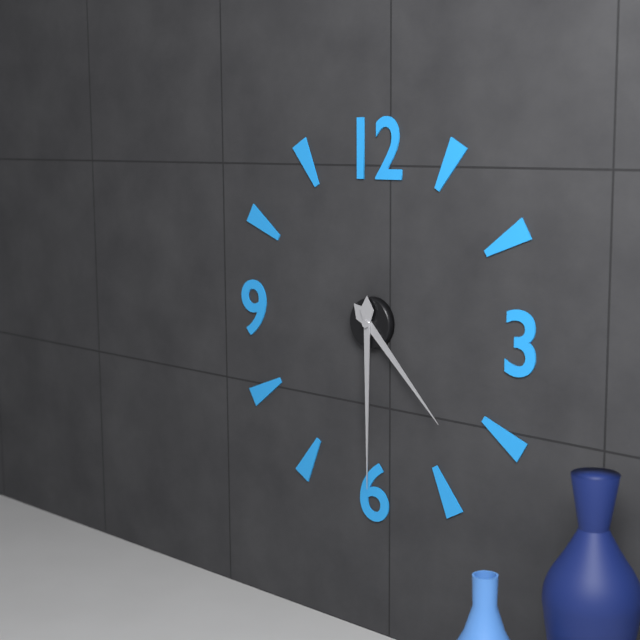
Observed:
4.30
